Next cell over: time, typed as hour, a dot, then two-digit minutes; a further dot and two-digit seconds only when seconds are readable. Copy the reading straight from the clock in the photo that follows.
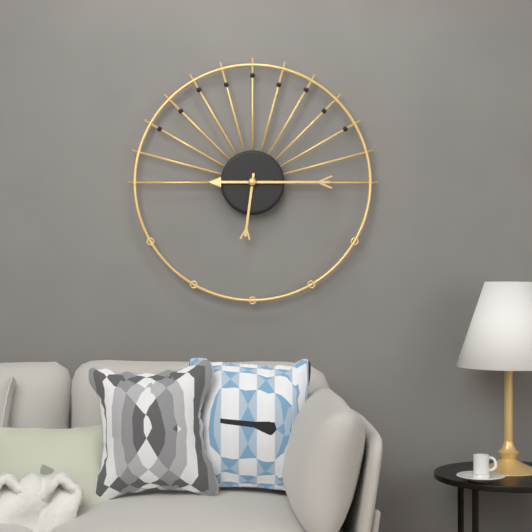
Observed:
6.15
